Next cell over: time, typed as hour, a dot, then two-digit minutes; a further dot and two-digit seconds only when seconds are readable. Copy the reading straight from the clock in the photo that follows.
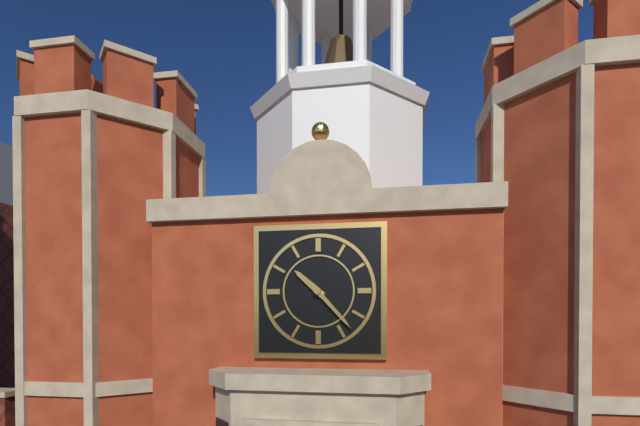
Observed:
10.23
